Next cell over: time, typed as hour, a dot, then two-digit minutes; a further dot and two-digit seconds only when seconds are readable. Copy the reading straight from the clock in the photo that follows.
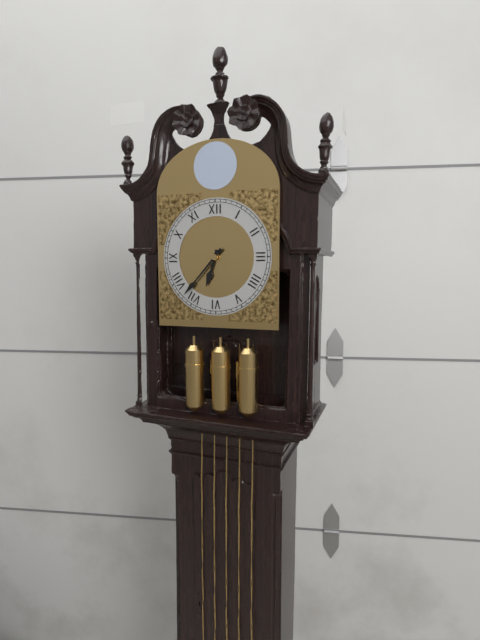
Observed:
6.37
